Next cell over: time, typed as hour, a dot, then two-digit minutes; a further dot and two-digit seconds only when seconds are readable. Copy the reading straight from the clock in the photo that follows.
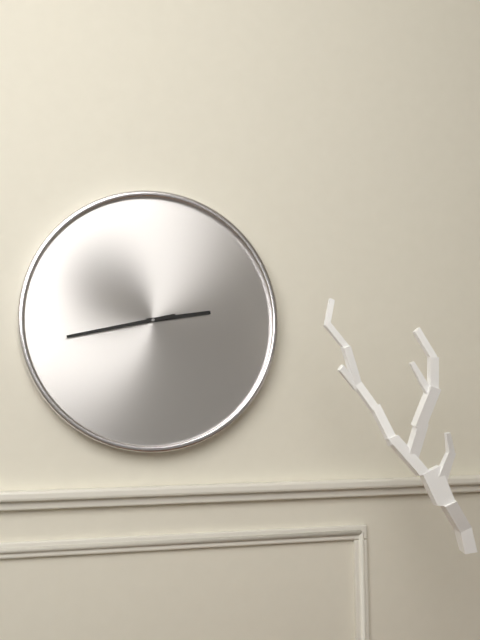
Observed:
2.43
